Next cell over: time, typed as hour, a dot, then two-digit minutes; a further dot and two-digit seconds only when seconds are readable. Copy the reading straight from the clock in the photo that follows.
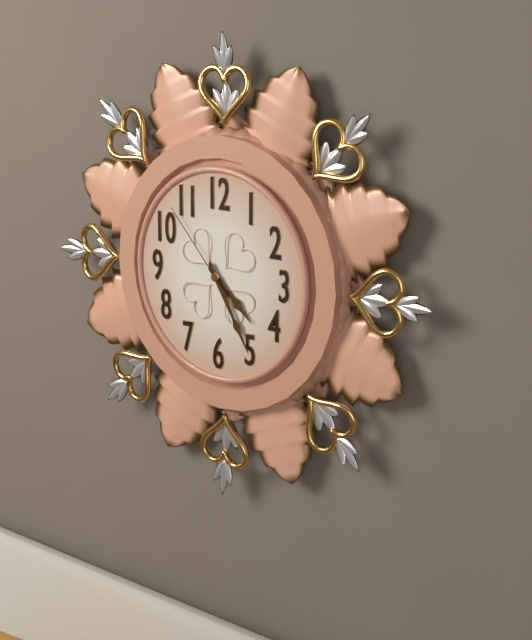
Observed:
4.25.53
